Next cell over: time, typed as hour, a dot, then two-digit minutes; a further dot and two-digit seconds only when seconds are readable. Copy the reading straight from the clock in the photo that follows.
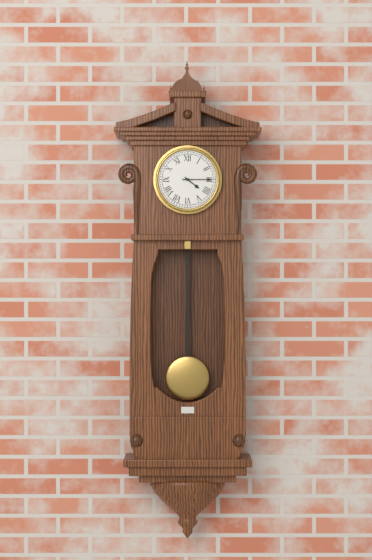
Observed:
4.15
